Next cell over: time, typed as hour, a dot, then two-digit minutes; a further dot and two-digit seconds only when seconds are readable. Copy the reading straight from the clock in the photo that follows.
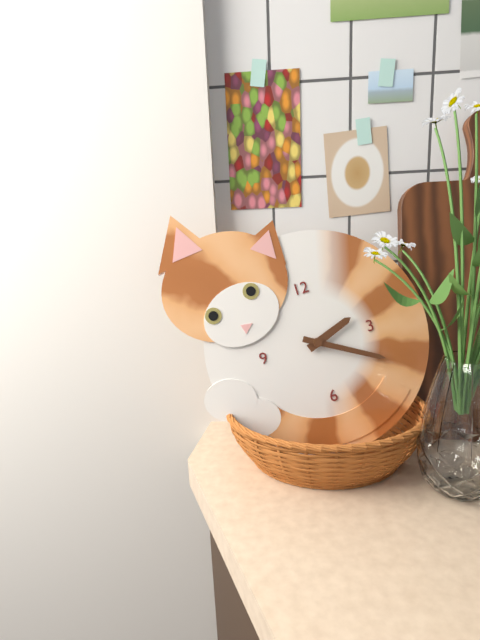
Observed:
2.20
